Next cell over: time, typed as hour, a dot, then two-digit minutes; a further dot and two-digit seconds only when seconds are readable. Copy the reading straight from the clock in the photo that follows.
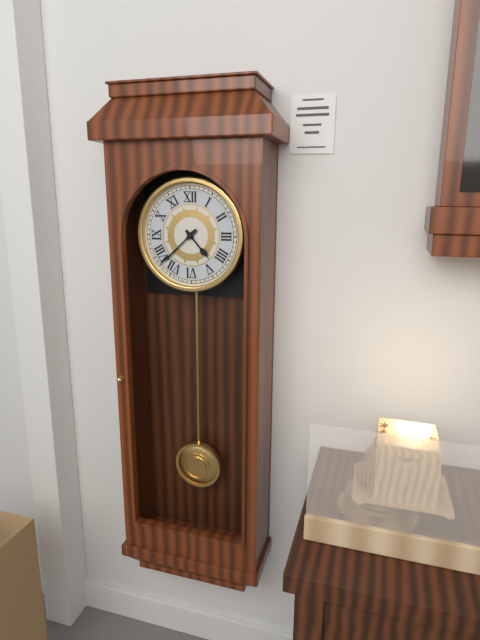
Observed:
4.38
